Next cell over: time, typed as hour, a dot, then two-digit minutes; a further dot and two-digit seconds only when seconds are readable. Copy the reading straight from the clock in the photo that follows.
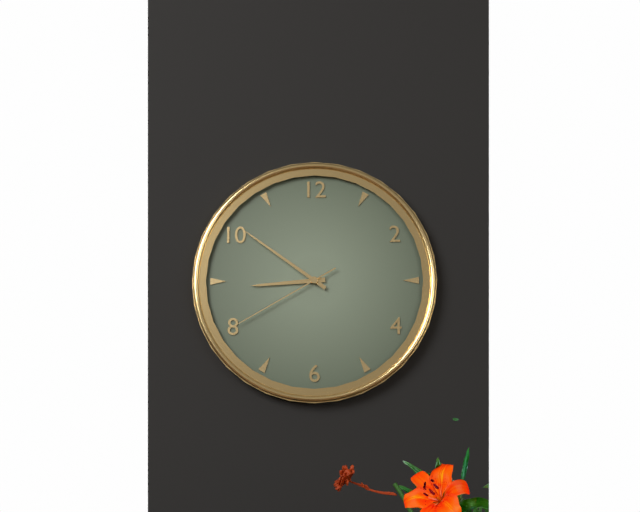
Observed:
8.51.40
